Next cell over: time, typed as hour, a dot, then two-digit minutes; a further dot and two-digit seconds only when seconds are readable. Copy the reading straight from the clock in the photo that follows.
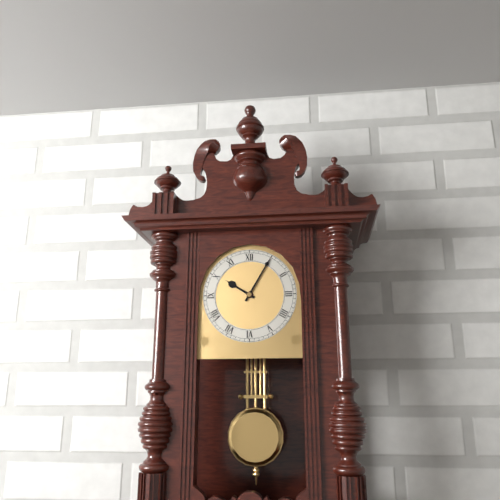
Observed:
10.05
